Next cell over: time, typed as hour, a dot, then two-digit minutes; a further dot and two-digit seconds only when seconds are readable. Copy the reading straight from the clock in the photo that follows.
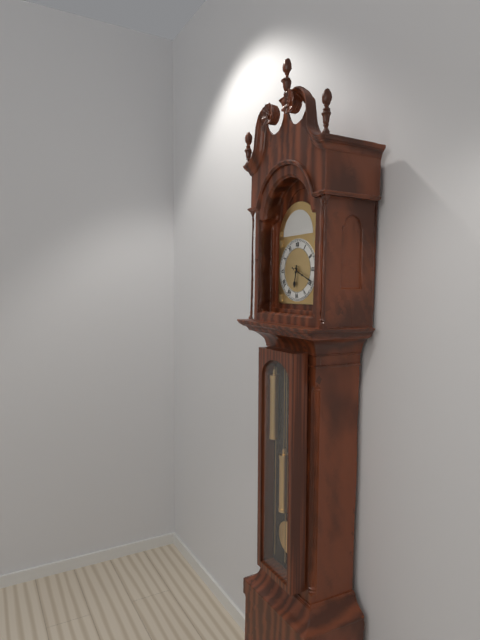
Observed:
6.19
